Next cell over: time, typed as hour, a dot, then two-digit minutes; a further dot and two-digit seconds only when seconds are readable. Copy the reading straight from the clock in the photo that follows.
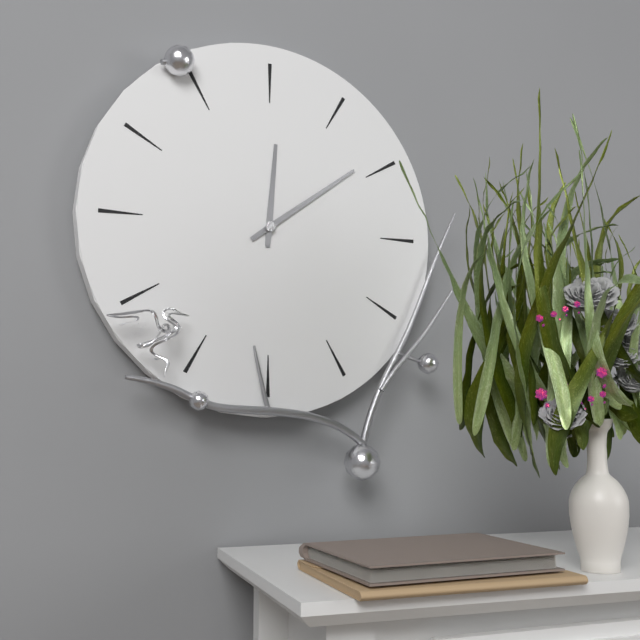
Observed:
12.09
